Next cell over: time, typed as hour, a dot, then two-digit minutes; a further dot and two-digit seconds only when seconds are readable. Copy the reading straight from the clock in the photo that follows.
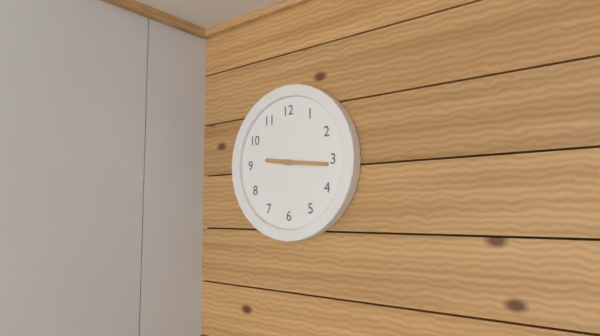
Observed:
9.16
